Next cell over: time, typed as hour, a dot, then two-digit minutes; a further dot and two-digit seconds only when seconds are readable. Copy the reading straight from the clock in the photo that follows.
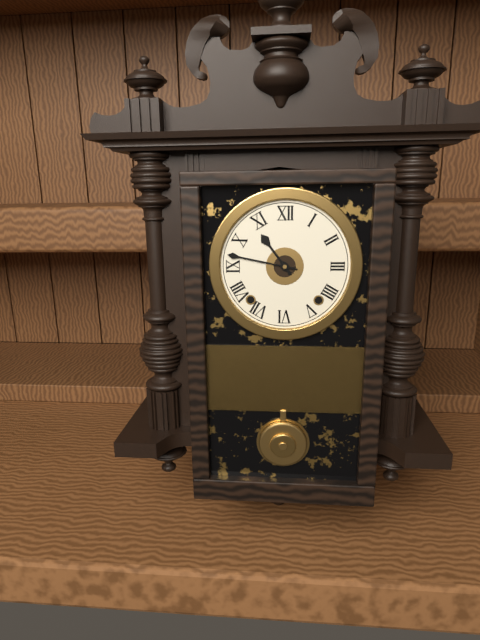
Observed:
10.47
